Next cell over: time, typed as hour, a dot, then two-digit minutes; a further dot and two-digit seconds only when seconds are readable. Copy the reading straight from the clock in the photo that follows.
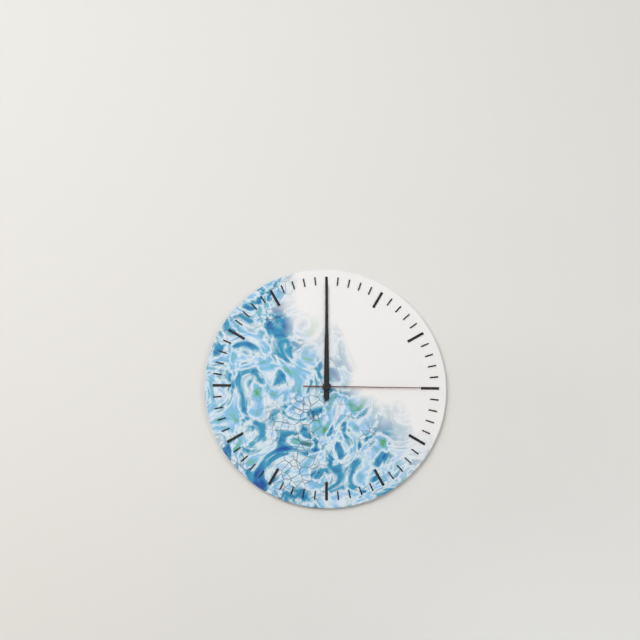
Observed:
12.00.15
